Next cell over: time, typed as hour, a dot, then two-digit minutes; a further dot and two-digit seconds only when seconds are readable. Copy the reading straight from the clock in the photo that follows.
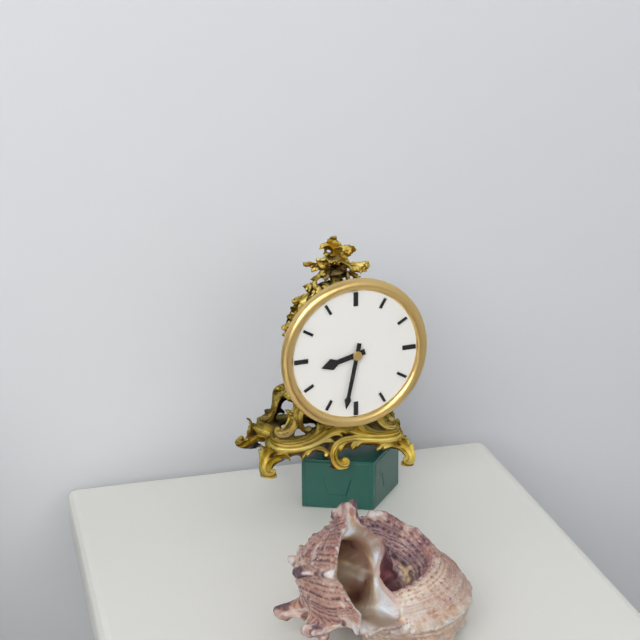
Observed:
8.32
